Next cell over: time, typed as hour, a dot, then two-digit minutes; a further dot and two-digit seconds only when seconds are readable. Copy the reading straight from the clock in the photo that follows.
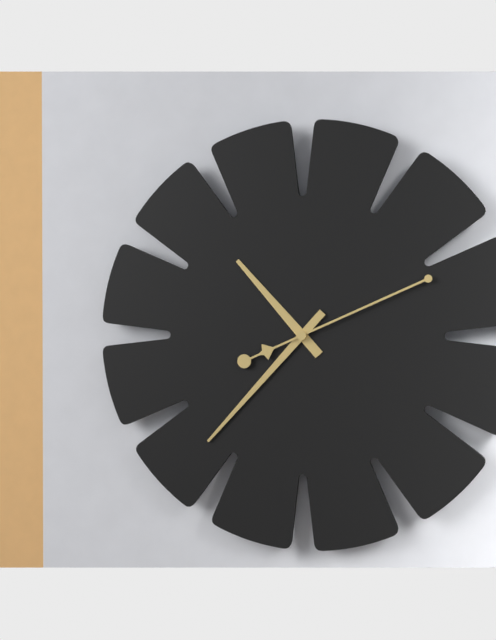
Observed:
10.37.11
